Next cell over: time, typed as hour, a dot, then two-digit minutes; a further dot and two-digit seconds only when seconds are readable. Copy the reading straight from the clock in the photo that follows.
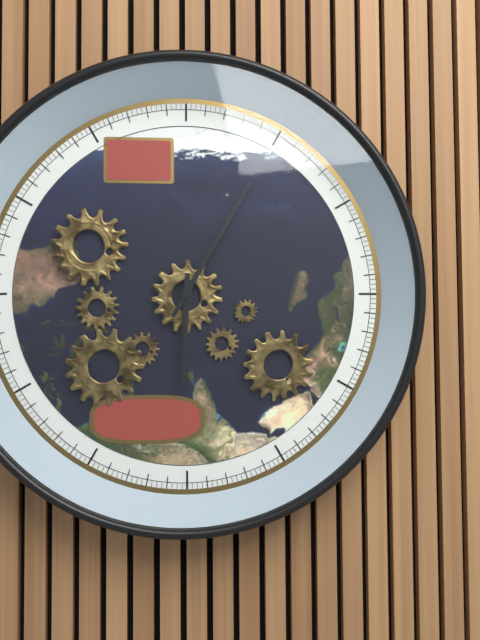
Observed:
6.05
